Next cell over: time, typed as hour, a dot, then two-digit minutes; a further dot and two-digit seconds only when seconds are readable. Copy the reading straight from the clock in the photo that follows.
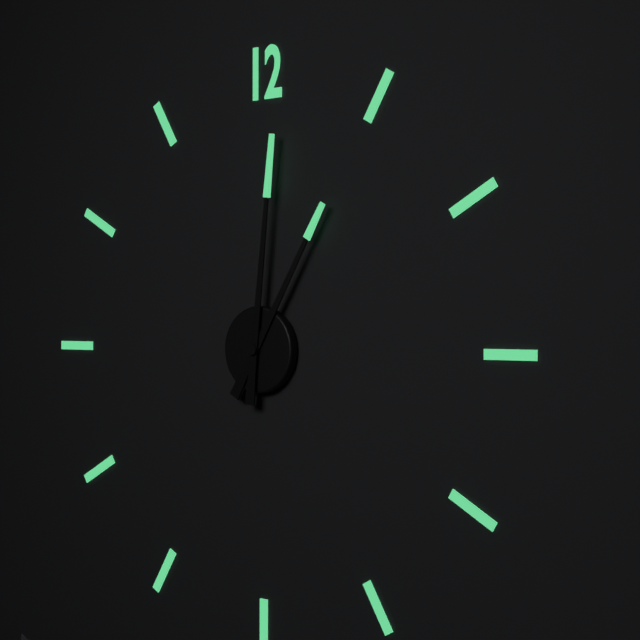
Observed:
1.01
